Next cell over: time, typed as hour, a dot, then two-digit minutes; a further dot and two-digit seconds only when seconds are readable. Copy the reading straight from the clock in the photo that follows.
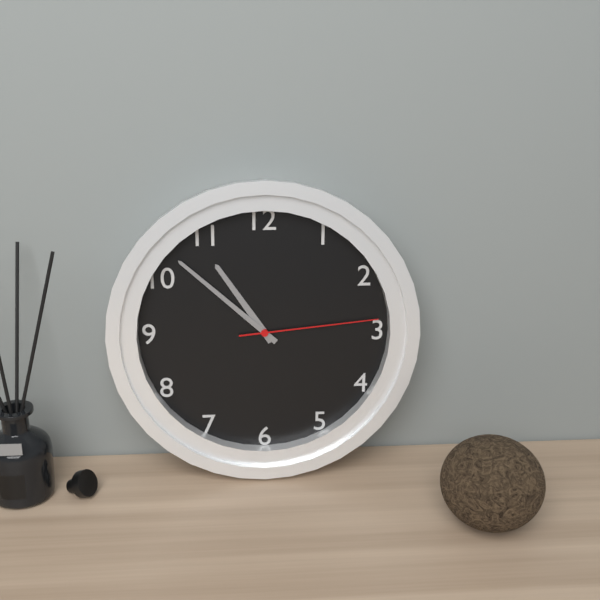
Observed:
10.52.14
